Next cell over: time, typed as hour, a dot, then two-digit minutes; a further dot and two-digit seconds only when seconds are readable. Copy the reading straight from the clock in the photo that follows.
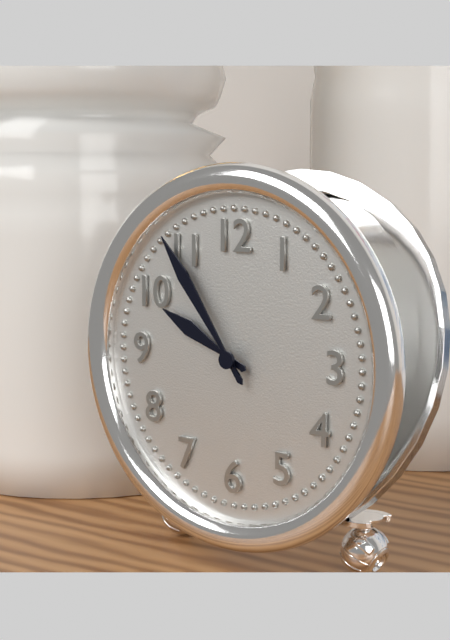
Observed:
9.54
